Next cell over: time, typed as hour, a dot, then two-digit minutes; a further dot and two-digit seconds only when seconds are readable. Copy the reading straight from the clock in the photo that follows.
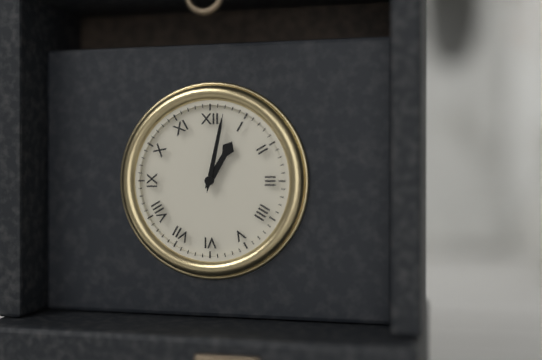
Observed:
1.02
